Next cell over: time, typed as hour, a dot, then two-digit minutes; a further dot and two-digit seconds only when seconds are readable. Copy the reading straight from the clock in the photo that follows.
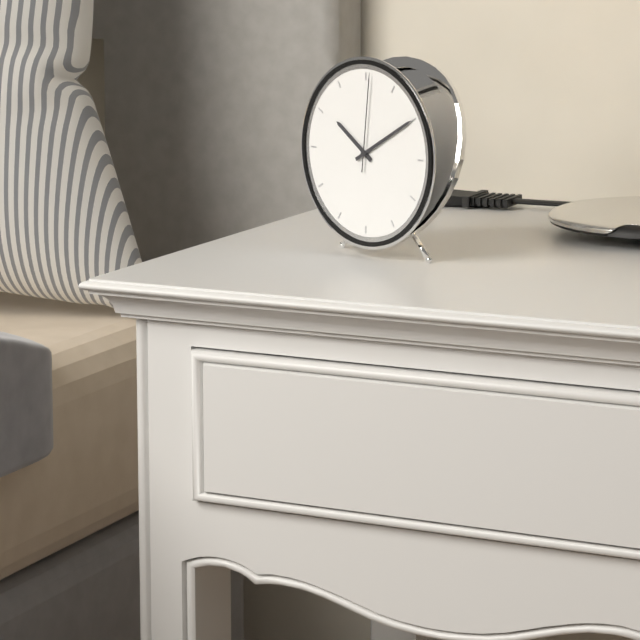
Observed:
10.10.01
